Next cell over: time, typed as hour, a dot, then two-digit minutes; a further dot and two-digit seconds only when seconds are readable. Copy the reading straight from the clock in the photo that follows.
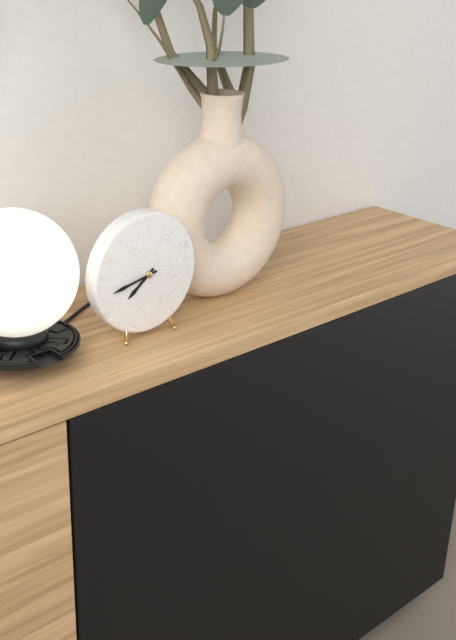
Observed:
7.43
